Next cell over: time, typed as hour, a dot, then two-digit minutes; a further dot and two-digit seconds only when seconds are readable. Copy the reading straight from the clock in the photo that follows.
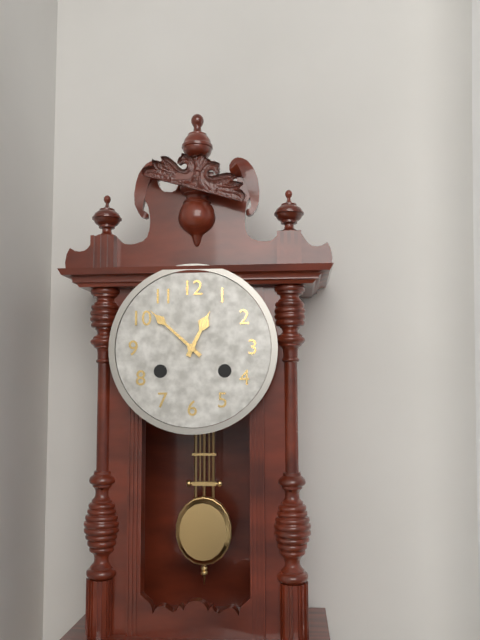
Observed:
12.52
